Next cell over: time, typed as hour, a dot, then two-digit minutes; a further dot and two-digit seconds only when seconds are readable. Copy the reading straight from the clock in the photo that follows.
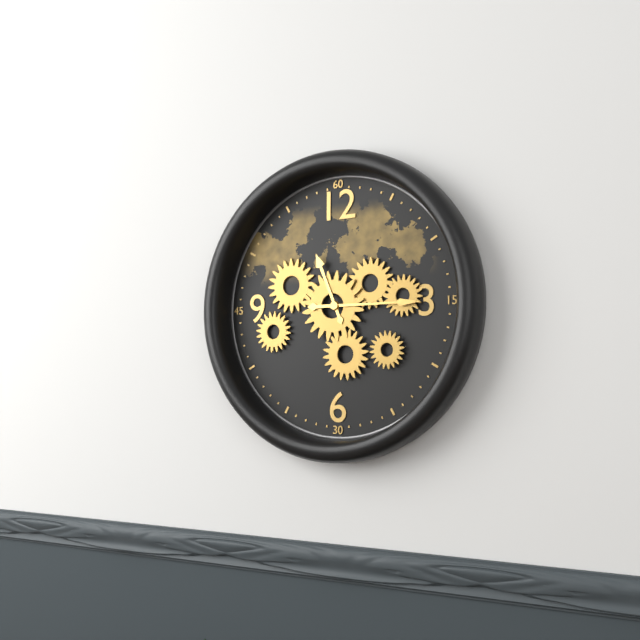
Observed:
11.15
